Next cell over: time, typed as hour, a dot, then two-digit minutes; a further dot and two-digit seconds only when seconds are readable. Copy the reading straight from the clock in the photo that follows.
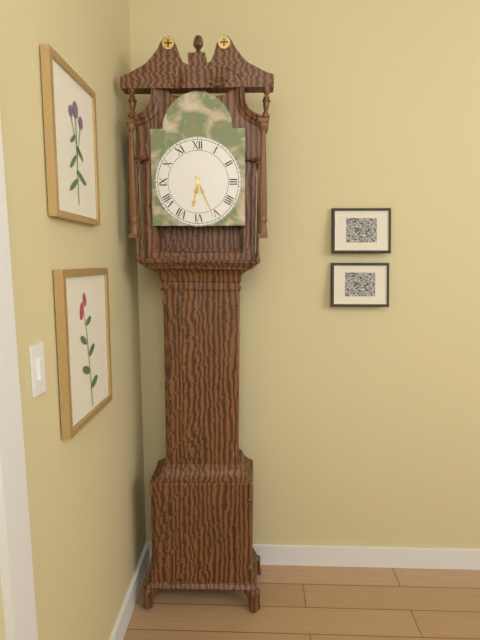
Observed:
6.26
